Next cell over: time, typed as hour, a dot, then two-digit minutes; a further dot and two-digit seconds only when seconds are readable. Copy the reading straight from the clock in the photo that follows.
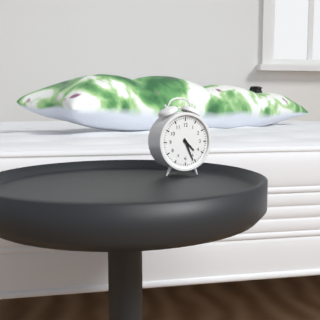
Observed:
4.26
